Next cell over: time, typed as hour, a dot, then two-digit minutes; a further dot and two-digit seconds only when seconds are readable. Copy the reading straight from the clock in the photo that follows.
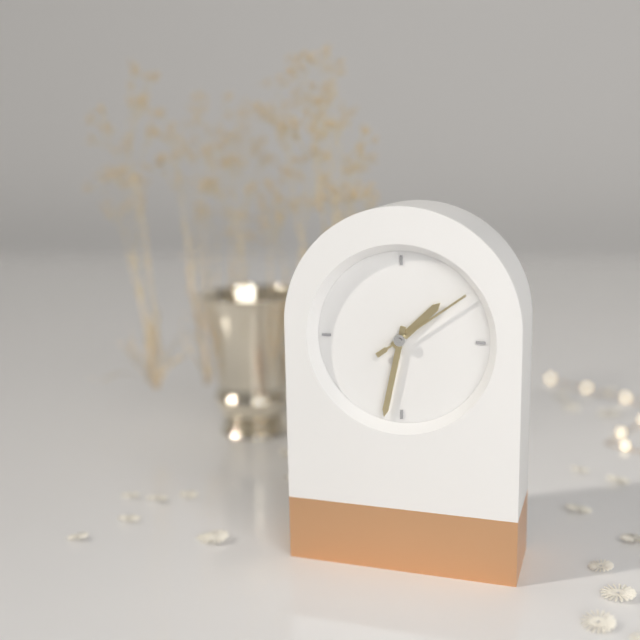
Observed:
1.32.09
